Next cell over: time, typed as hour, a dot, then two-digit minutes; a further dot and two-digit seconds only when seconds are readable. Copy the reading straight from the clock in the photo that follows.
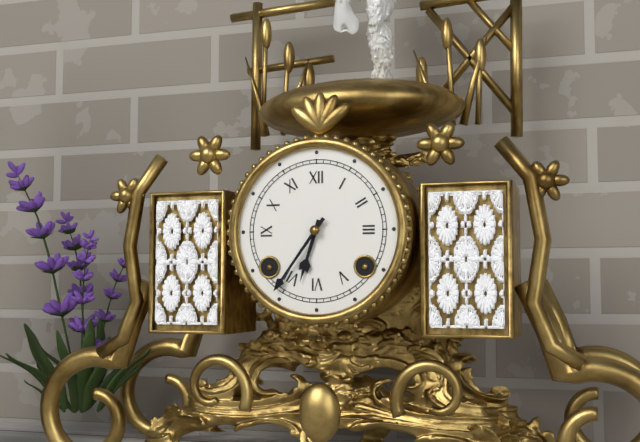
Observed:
6.36
